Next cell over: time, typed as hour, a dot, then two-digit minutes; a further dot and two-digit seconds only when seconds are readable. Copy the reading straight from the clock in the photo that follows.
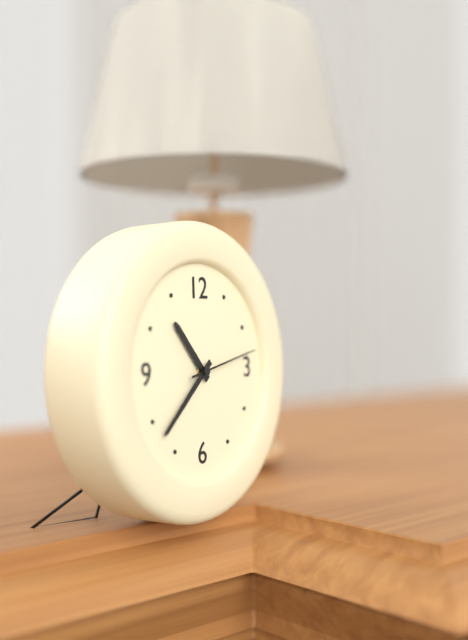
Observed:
10.38.13
